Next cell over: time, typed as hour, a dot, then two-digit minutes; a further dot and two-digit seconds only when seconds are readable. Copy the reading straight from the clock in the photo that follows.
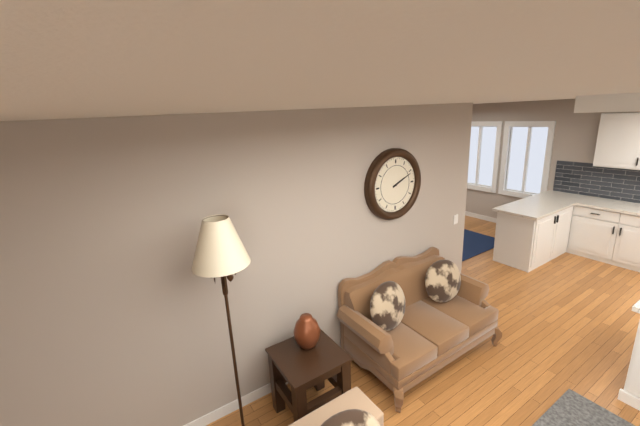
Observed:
2.11
